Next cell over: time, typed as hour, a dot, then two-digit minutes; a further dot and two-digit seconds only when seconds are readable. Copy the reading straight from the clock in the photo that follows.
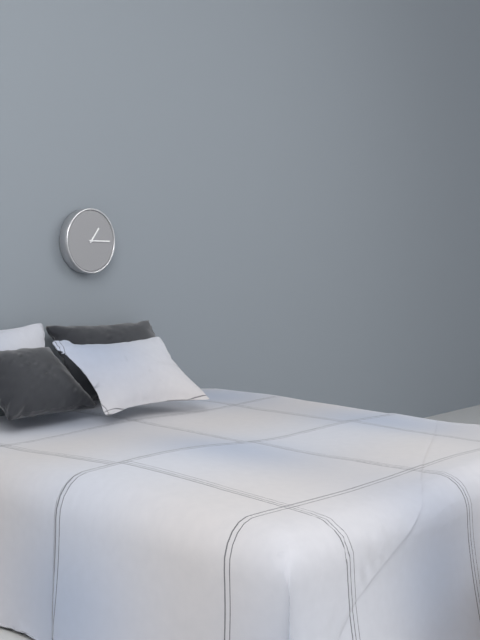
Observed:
1.15
